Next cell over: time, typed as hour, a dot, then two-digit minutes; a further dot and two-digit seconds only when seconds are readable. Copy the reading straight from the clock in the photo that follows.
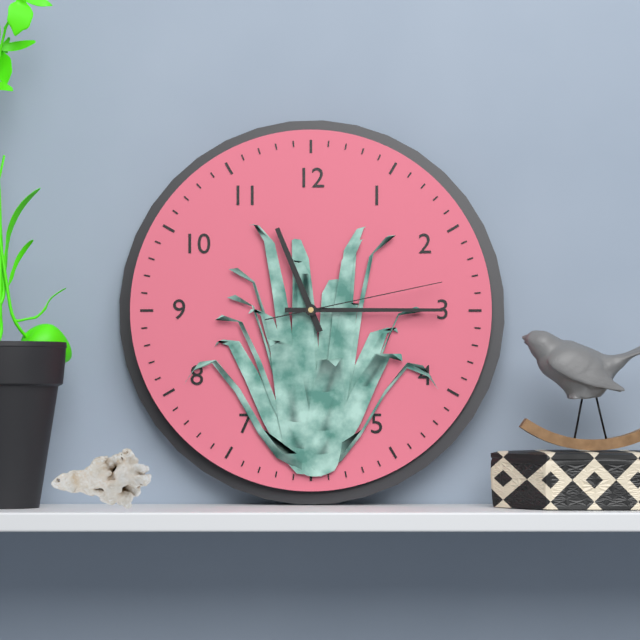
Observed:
11.15.13
